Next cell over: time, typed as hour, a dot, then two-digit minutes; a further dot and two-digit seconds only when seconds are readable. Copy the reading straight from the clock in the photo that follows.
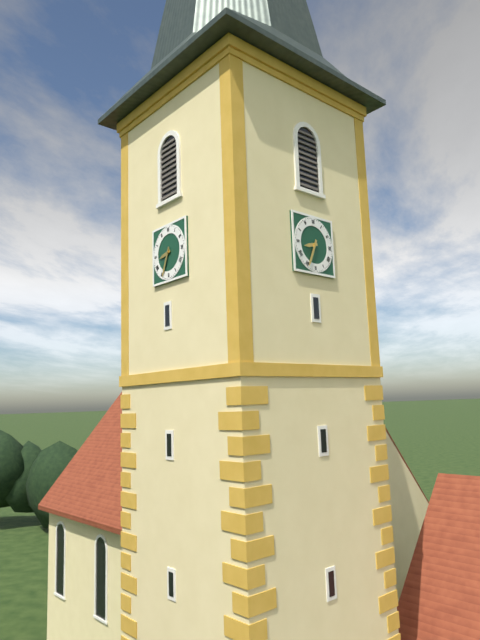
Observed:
8.34
